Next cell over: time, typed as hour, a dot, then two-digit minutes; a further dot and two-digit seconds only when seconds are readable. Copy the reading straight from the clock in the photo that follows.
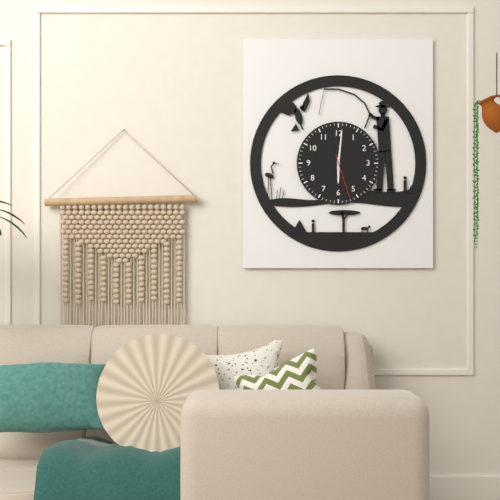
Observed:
6.01
